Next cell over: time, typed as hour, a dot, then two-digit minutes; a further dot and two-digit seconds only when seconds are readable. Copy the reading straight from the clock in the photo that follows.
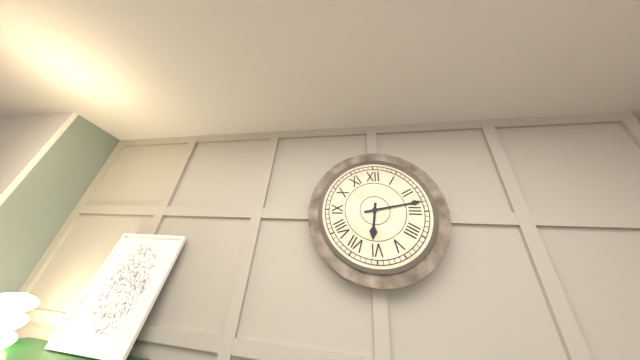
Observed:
6.13
